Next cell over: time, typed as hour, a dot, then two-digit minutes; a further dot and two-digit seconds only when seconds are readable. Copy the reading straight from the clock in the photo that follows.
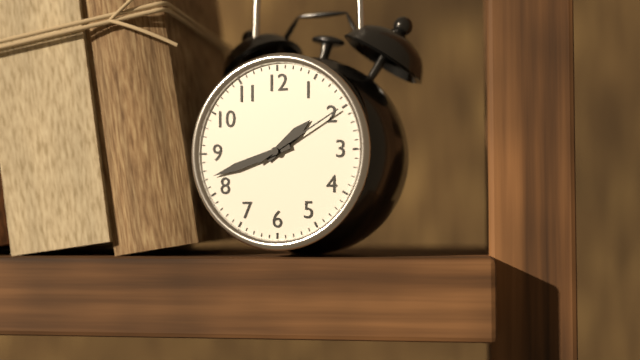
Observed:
1.42.10
